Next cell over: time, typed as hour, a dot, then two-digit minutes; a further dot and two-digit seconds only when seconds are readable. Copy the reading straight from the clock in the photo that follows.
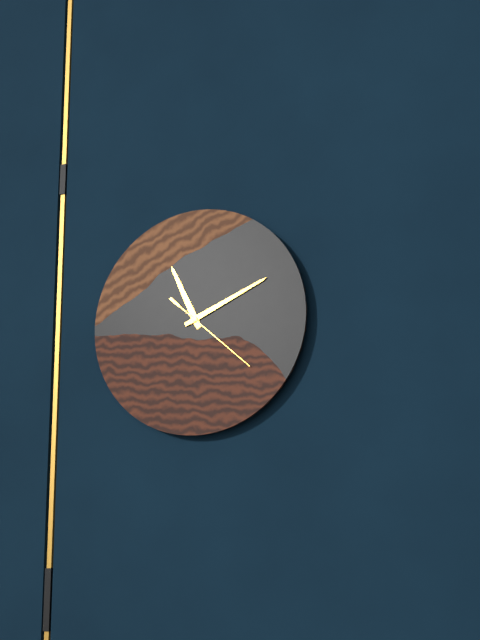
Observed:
11.11.22
